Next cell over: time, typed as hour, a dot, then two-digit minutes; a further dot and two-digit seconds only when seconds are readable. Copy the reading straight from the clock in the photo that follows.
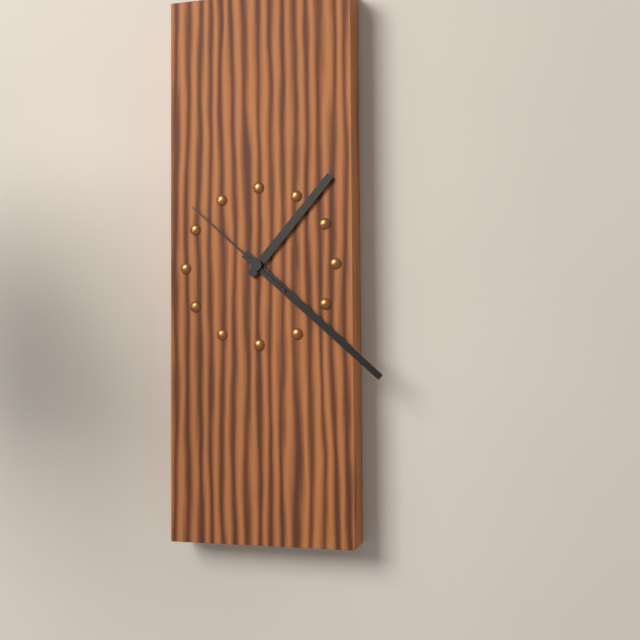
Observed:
1.22.52
